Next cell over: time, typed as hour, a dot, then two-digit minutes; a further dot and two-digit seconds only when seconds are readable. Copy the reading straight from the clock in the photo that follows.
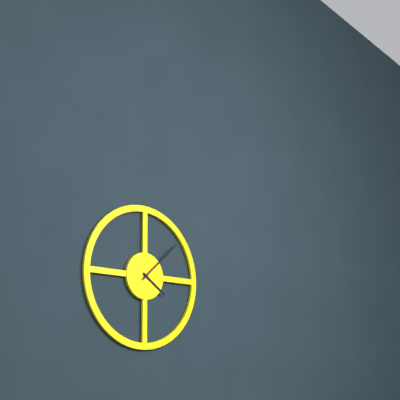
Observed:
4.08
